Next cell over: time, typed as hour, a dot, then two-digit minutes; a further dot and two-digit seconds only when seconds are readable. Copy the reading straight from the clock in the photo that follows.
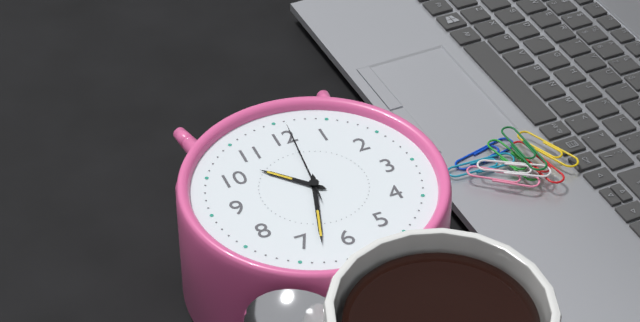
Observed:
10.33.01
